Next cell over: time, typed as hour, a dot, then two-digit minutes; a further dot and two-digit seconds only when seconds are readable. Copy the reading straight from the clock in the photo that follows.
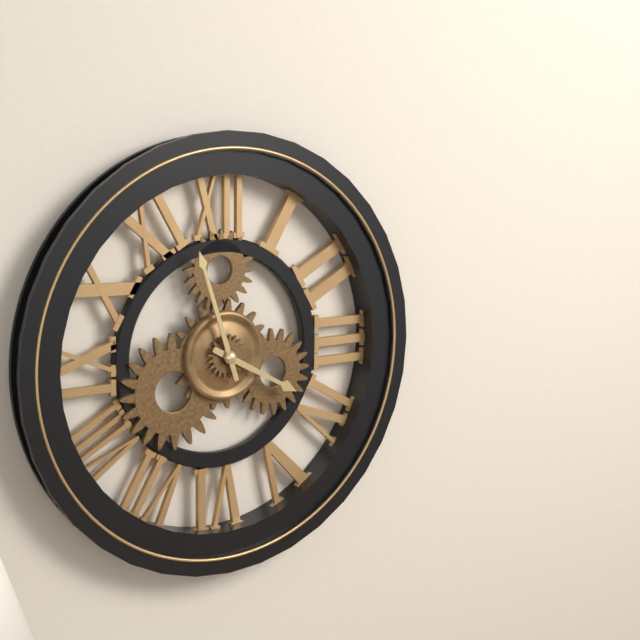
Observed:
3.57
